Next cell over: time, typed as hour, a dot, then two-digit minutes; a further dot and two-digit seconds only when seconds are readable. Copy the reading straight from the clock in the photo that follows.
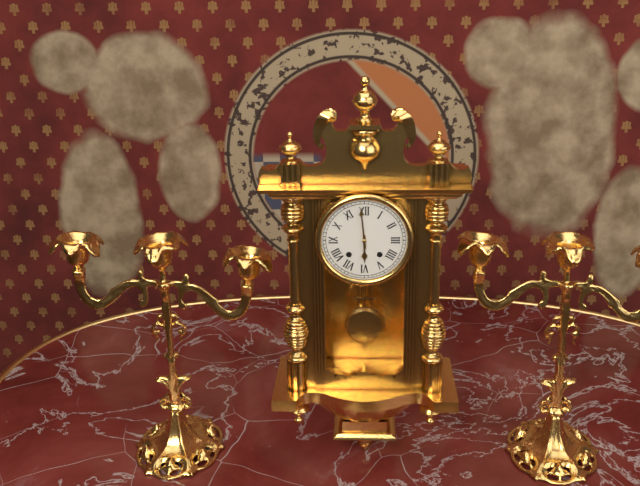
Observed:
5.59
